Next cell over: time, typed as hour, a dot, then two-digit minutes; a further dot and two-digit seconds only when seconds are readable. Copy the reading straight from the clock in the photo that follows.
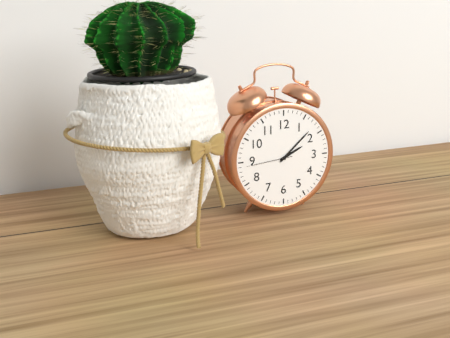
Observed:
2.08
